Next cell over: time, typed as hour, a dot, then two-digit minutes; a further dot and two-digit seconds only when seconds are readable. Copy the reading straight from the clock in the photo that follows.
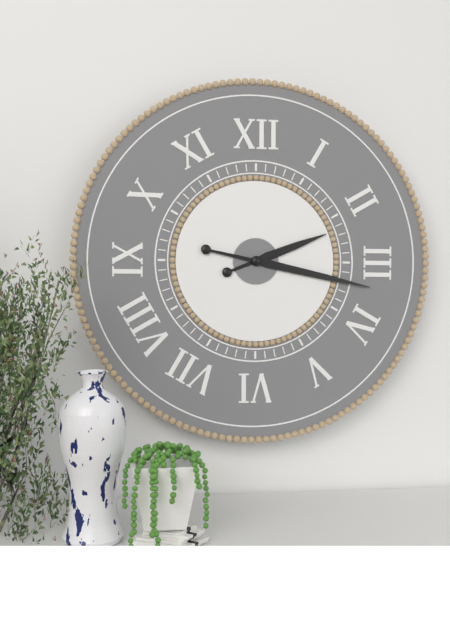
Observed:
2.17
